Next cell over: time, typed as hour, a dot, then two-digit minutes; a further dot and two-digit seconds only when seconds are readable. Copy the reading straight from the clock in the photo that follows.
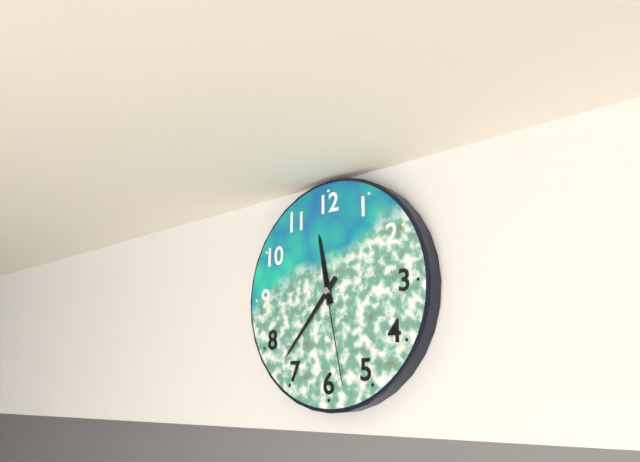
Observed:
11.37.28
